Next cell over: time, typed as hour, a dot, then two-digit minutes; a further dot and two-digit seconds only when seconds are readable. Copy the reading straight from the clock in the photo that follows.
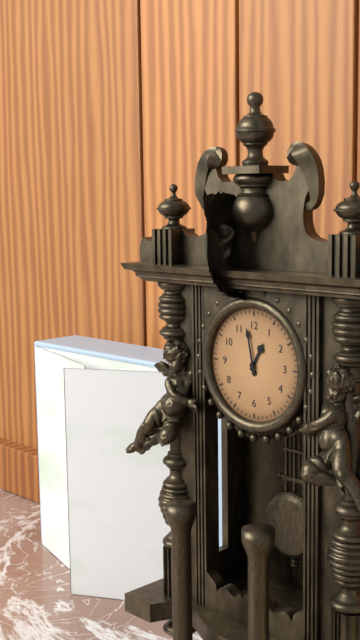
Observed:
12.58
